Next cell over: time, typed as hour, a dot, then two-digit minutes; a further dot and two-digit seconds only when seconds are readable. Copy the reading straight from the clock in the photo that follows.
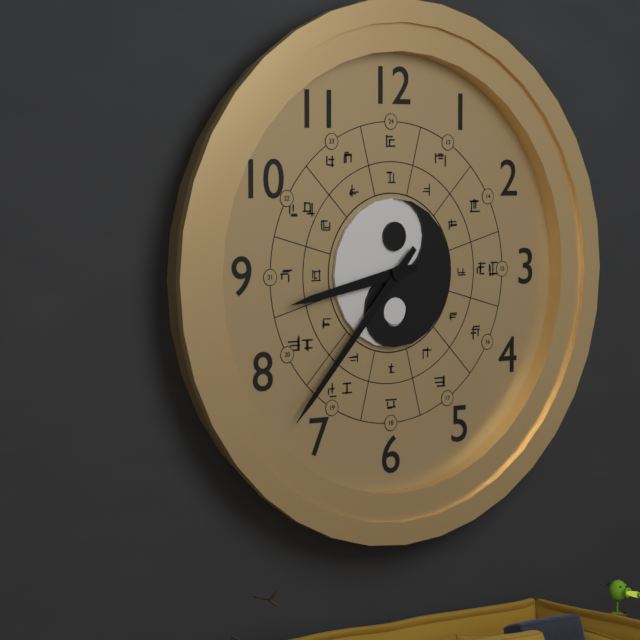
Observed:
8.37
